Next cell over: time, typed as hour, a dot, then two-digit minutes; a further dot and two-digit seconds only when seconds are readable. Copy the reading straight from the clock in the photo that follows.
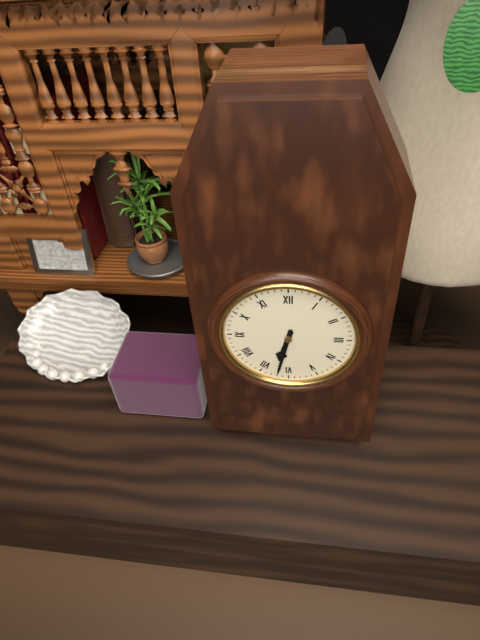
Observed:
6.32
